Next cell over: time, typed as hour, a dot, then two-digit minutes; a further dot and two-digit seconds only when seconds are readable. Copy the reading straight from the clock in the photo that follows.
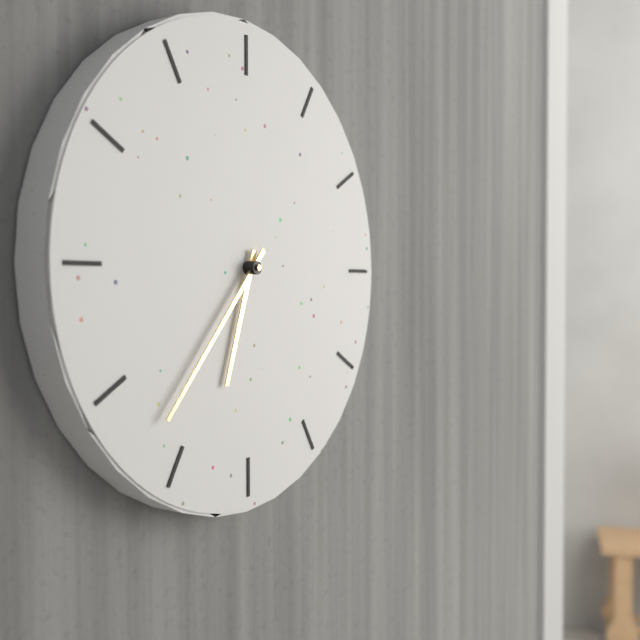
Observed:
6.37
